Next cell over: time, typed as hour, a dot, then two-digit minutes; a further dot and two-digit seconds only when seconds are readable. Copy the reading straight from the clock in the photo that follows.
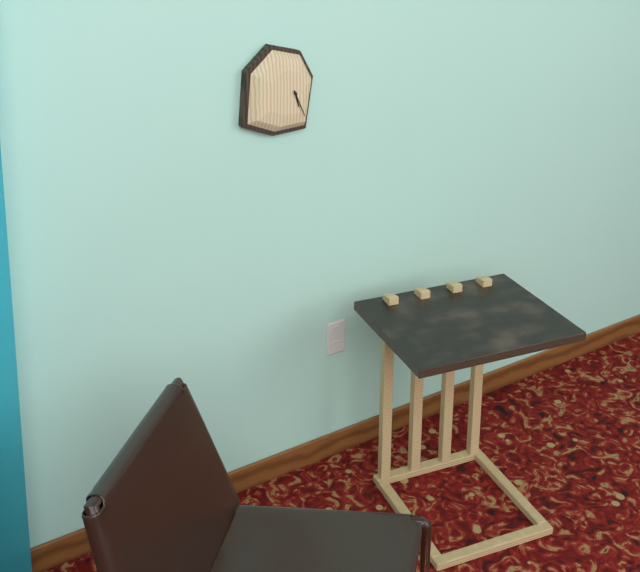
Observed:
5.26
